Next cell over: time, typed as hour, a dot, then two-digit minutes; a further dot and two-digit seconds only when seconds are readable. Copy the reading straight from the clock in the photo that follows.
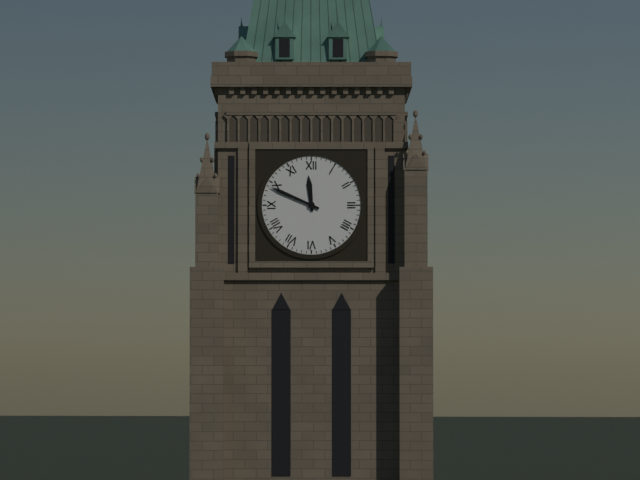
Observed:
11.49
